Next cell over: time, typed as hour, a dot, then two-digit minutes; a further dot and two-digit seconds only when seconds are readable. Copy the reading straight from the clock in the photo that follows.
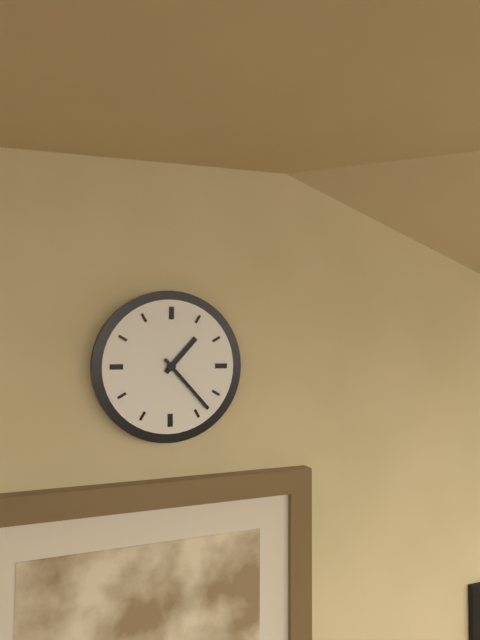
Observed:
1.23
